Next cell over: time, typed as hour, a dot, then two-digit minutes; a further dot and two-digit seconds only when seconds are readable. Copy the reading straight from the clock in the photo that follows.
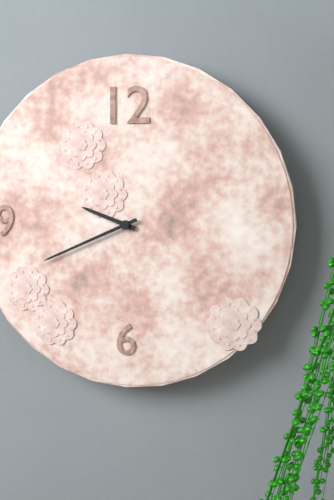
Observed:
9.41
